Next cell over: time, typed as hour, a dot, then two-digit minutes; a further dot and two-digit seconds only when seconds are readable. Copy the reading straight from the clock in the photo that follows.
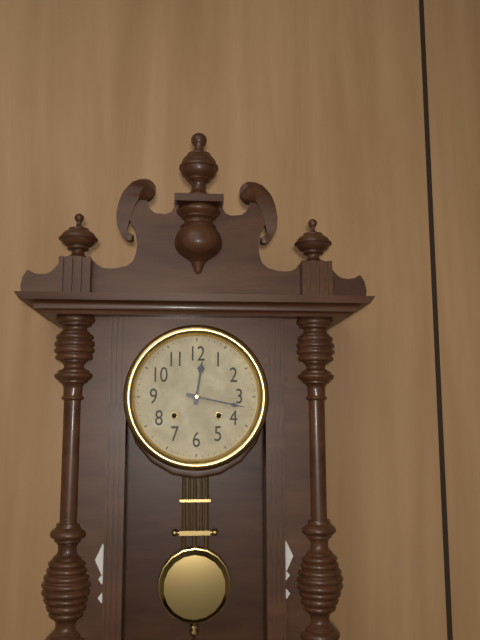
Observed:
12.17
